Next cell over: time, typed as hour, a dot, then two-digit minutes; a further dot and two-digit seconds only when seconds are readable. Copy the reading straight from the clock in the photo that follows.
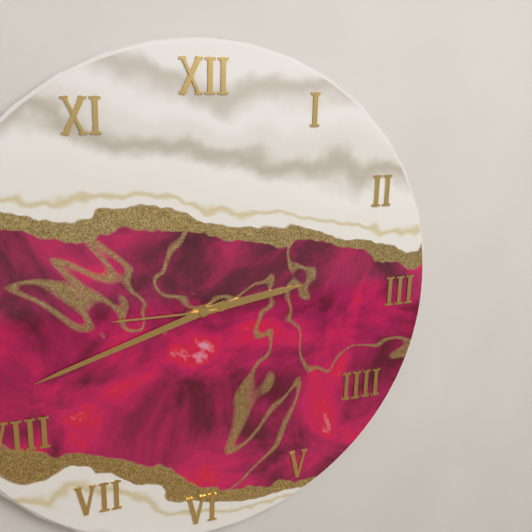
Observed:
2.42.45
